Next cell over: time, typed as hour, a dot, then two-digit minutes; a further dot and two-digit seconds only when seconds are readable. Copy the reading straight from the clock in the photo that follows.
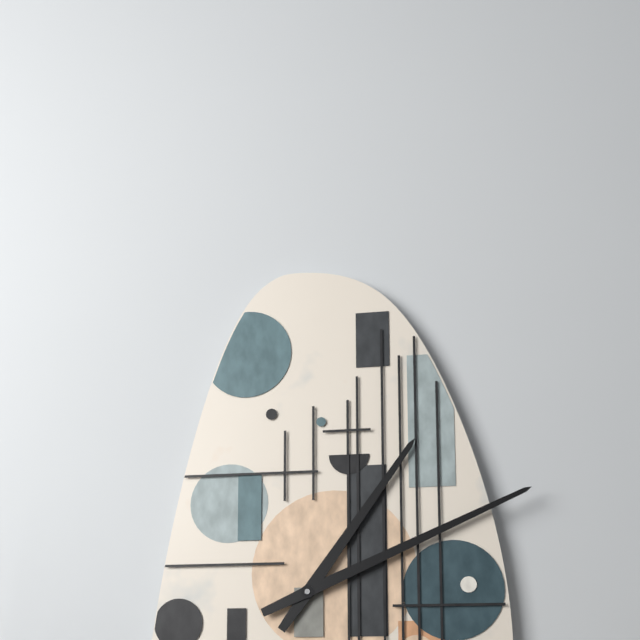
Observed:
1.11
